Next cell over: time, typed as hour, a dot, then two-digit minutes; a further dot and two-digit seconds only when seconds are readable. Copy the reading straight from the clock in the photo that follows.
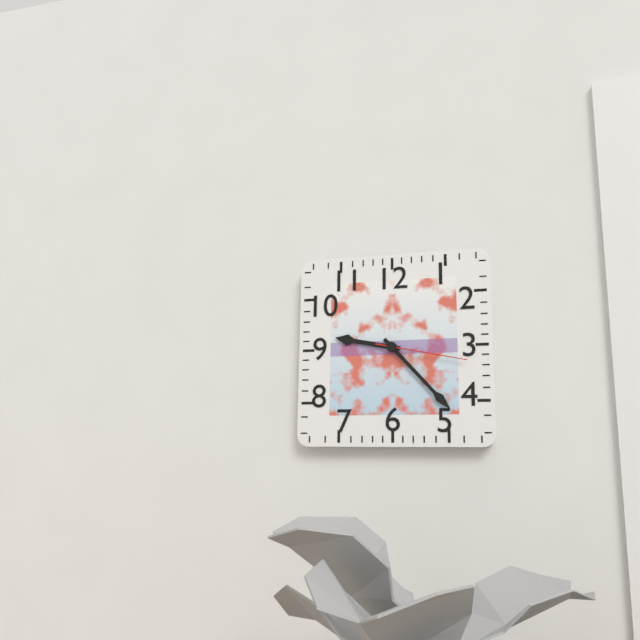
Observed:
9.23.17
